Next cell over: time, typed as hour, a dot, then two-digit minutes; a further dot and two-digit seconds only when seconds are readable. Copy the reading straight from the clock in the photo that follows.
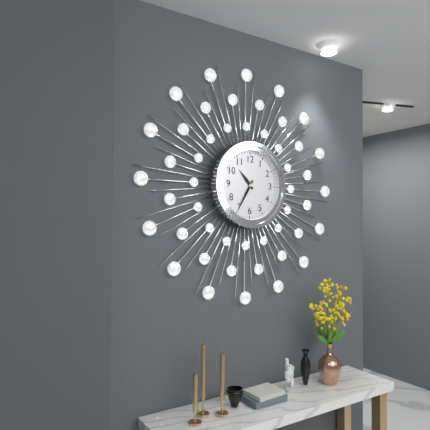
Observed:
10.35
